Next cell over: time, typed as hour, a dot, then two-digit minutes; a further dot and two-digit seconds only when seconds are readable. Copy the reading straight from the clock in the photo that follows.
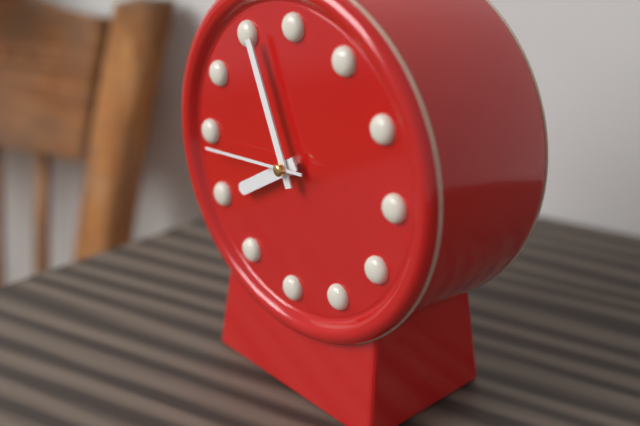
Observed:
7.56.44
